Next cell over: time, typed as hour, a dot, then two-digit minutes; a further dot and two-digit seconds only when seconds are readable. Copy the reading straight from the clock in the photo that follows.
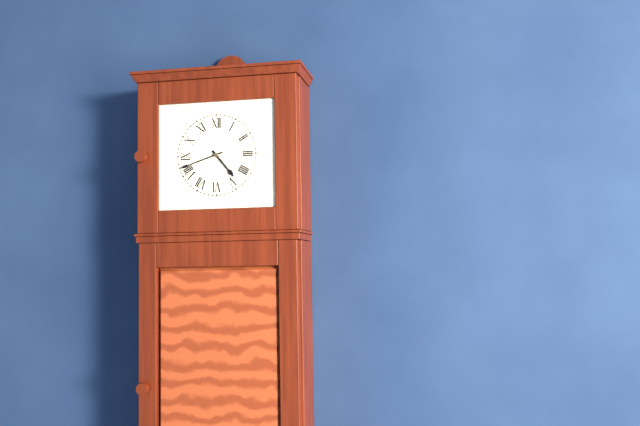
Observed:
4.42
